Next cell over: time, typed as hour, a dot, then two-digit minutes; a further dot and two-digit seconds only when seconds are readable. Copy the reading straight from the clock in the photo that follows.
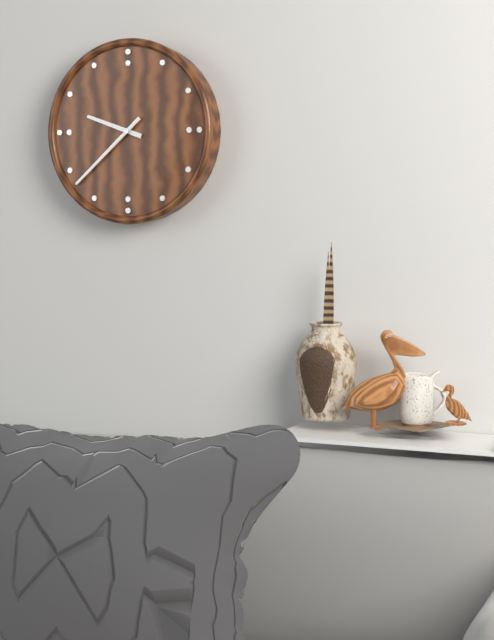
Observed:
9.38
